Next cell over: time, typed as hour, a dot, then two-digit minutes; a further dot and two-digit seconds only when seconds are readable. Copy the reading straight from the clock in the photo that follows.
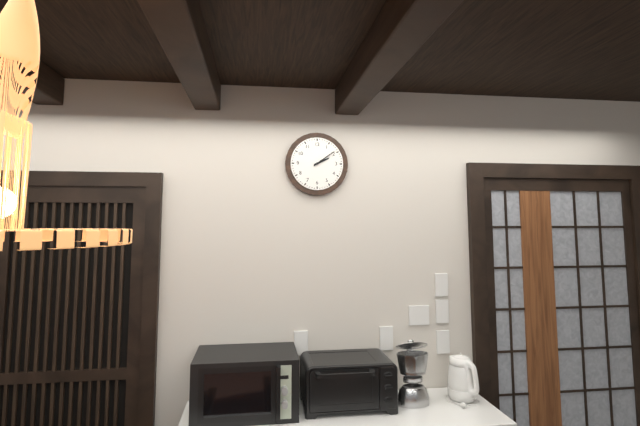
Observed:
2.09
